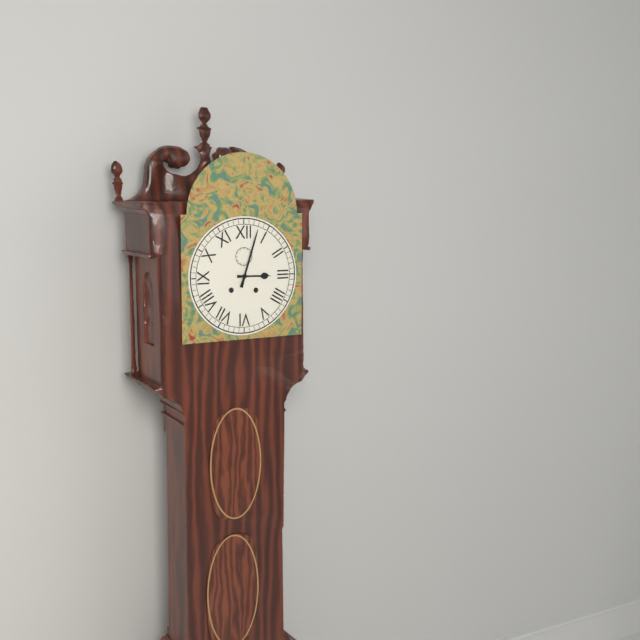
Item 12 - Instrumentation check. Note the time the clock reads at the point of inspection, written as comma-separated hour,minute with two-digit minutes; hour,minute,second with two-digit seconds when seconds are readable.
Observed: 3,03
